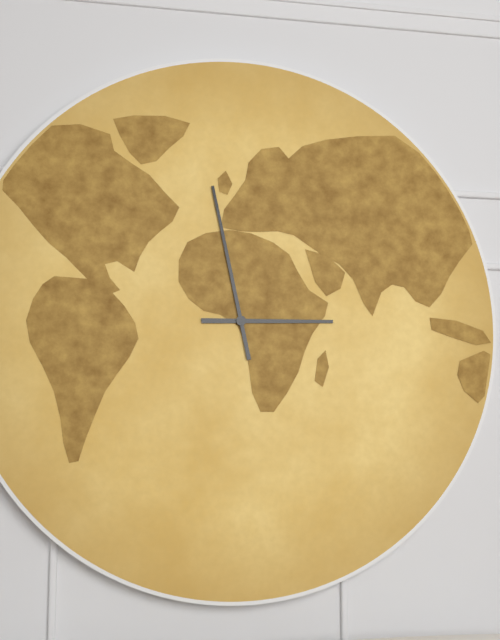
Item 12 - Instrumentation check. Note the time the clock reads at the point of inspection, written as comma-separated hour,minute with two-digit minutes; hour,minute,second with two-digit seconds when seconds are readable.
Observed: 2,58
